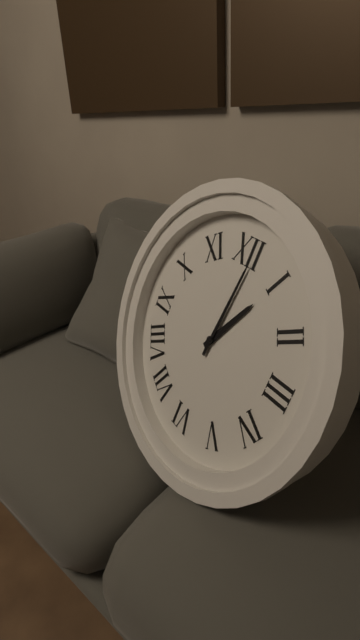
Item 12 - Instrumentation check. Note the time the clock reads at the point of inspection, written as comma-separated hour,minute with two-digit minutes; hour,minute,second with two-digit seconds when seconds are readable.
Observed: 1,01
